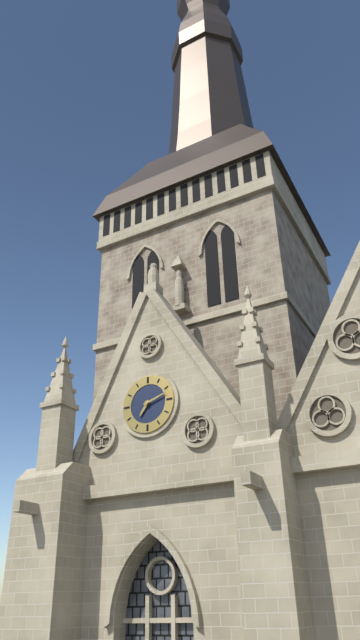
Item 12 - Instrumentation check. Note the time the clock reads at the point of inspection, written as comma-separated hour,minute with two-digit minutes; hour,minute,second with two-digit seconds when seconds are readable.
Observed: 7,12
